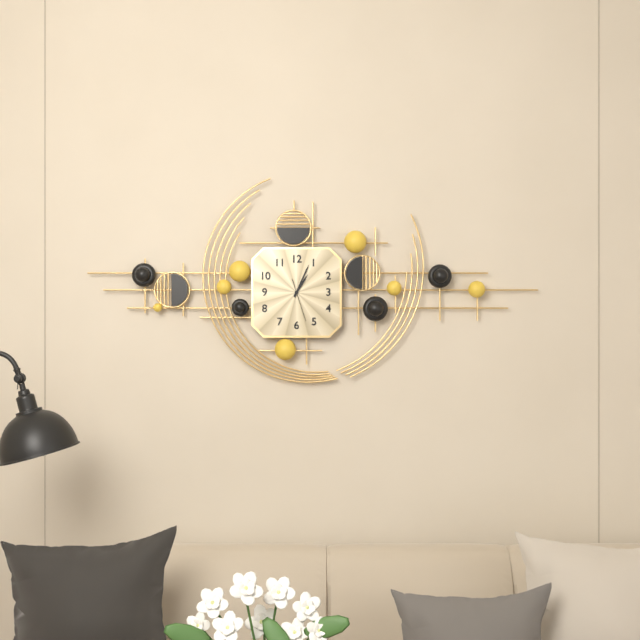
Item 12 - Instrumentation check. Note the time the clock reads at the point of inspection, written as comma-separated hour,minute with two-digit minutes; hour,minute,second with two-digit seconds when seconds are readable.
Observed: 1,04
